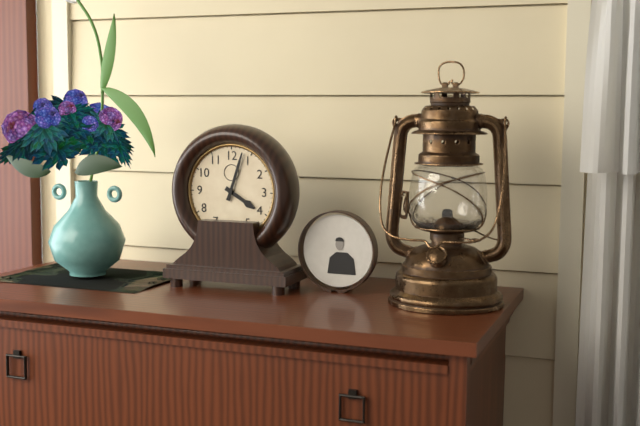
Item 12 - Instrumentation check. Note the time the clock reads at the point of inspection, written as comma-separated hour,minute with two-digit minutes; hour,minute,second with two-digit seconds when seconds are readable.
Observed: 4,03
